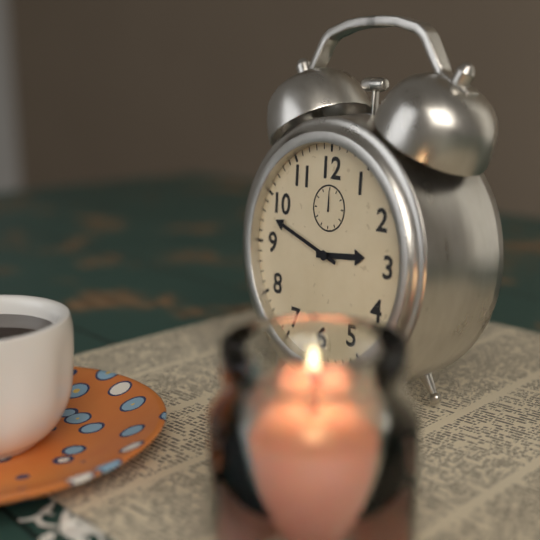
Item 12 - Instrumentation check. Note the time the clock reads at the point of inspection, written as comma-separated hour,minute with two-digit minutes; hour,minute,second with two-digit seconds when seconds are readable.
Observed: 2,48
